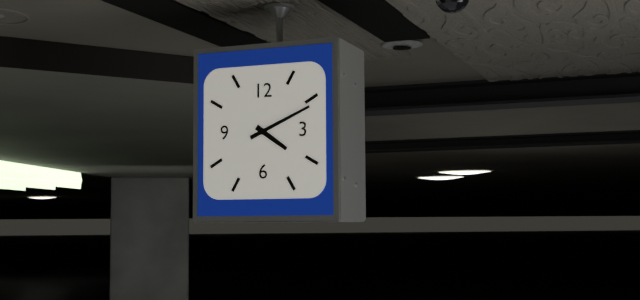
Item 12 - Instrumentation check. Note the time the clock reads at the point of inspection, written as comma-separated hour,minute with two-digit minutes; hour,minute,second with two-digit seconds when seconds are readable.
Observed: 4,11
